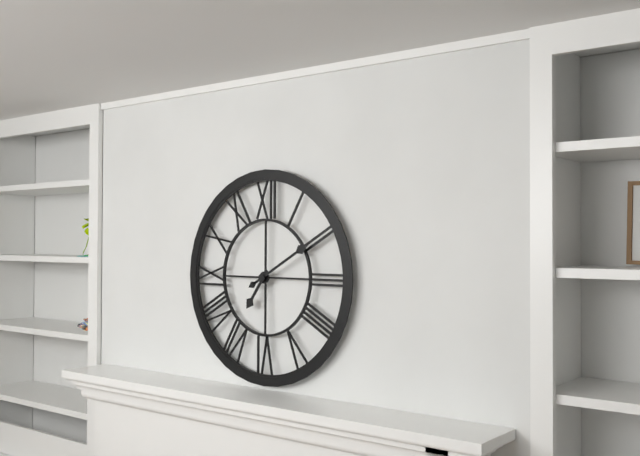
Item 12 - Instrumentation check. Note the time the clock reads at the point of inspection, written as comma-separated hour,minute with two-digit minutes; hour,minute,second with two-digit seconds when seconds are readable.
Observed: 7,10
